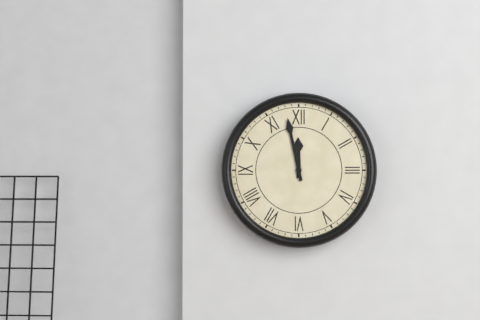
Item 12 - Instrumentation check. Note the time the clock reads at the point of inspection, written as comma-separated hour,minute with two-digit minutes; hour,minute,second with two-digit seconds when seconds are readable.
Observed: 11,58
